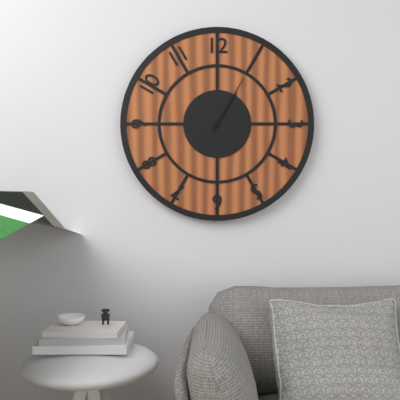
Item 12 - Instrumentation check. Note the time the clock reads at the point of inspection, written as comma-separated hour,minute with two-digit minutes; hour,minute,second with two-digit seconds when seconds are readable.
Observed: 1,05
